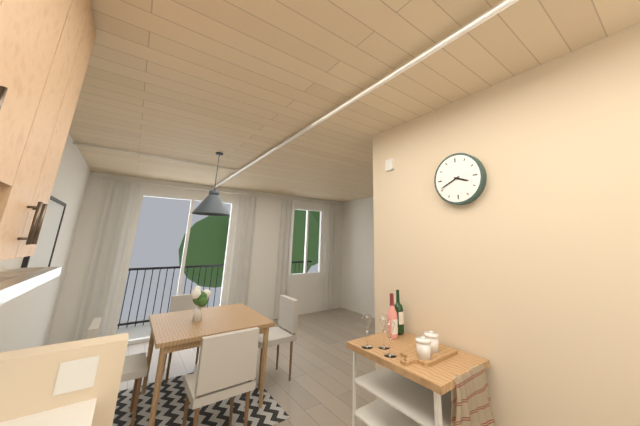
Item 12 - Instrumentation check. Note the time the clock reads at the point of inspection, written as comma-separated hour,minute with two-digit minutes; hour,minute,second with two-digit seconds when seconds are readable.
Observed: 3,41
